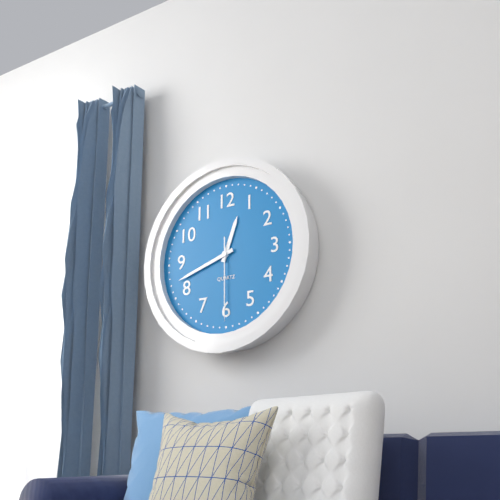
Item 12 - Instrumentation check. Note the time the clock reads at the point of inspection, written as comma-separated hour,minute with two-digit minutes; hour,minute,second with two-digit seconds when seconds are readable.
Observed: 12,42,30
